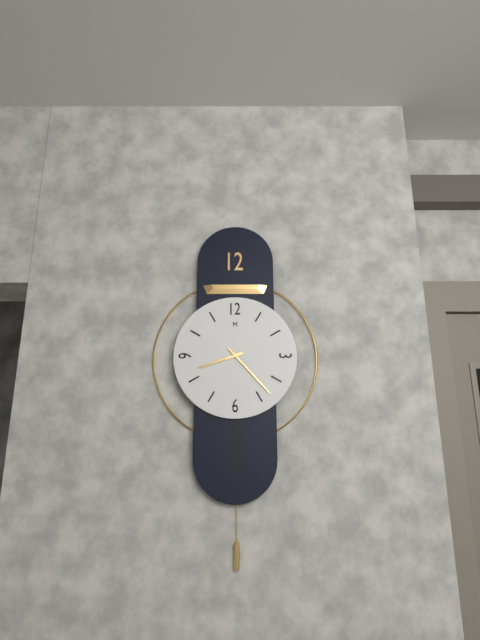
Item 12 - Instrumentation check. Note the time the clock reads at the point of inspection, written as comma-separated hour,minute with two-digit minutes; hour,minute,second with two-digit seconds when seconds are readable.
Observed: 8,23
